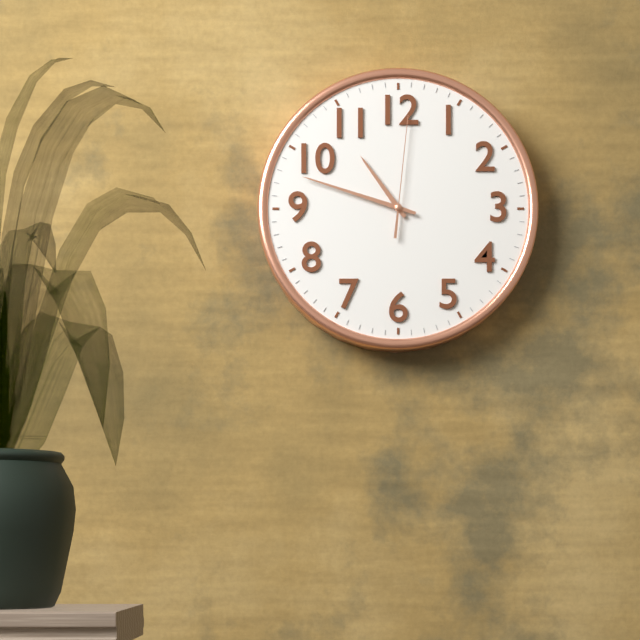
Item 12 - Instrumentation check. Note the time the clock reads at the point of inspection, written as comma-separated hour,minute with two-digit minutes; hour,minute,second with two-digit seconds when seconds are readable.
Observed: 10,48,01
